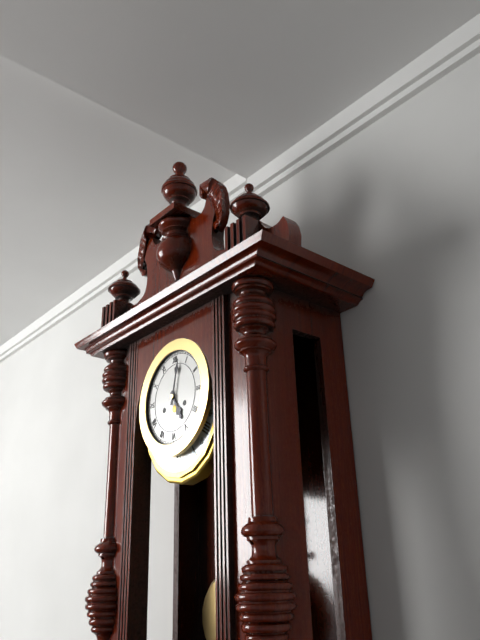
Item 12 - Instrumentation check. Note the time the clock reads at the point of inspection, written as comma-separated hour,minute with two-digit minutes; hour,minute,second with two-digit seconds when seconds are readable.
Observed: 5,02
